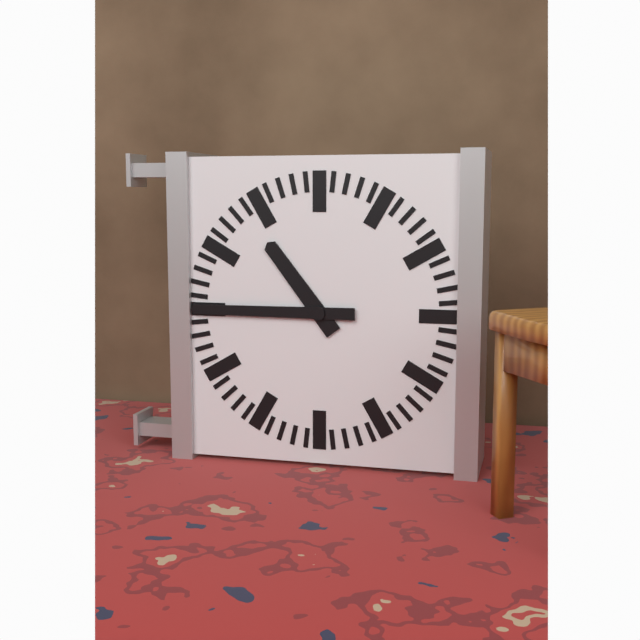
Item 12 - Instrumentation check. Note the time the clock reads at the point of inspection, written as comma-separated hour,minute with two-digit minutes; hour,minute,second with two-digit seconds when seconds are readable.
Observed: 10,45
